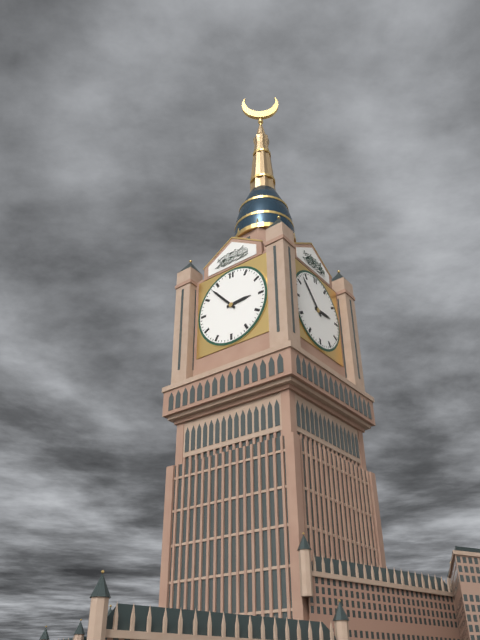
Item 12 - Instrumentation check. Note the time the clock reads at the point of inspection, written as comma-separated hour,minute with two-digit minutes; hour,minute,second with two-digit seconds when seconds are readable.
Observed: 2,53
